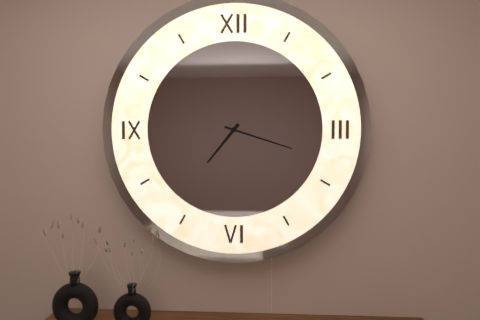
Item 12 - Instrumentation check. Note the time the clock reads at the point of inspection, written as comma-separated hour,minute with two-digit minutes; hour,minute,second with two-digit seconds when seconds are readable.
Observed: 7,18
